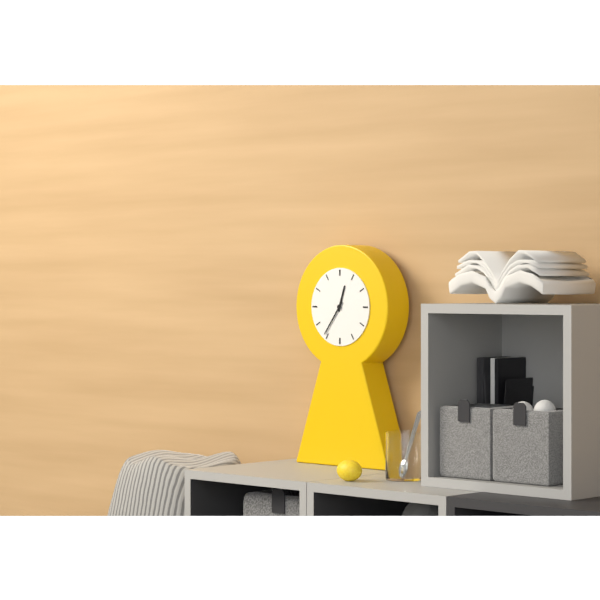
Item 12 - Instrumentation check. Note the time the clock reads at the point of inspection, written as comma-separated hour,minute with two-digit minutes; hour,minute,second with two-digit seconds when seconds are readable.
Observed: 12,36
